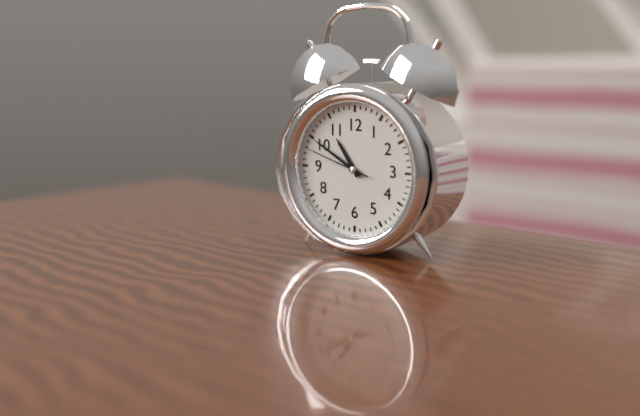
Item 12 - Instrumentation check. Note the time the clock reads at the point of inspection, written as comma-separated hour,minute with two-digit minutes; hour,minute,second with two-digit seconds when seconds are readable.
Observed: 10,50,48
